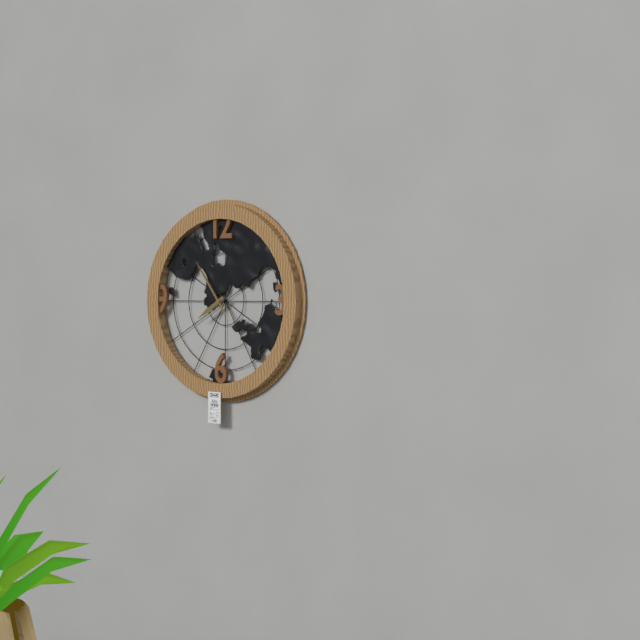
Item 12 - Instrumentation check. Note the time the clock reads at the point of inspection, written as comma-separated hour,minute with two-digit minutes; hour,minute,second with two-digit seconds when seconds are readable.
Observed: 7,54
